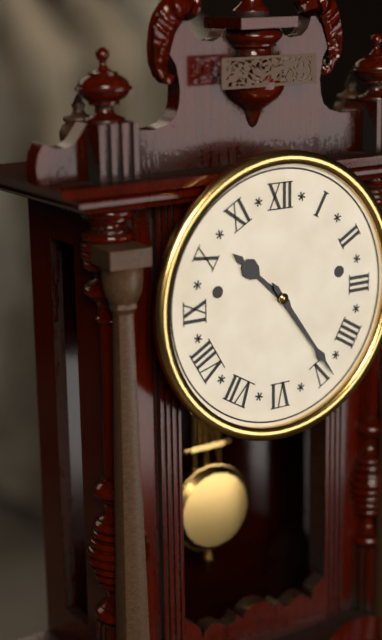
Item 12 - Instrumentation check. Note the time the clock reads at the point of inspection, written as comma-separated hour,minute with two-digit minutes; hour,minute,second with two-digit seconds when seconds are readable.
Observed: 10,24
